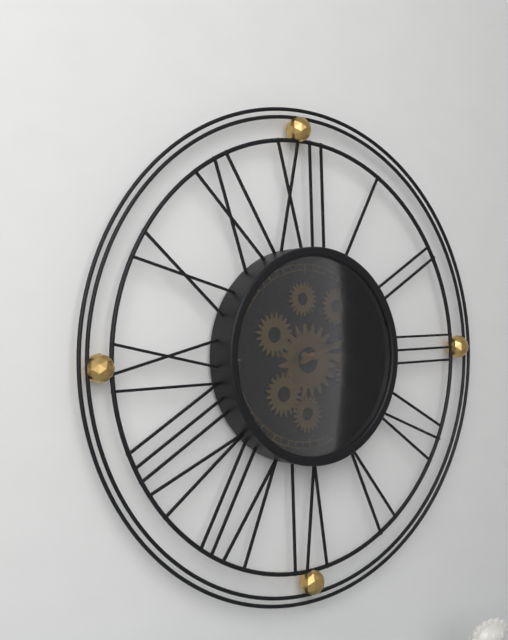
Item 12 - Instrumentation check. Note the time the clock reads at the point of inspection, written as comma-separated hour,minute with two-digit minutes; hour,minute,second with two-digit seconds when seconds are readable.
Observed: 3,12
